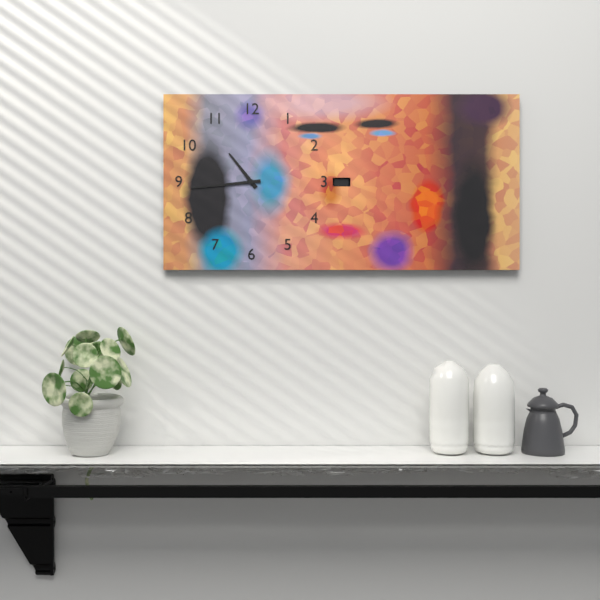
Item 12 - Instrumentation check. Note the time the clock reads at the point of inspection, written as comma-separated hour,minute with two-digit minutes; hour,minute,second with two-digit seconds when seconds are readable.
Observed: 10,44
